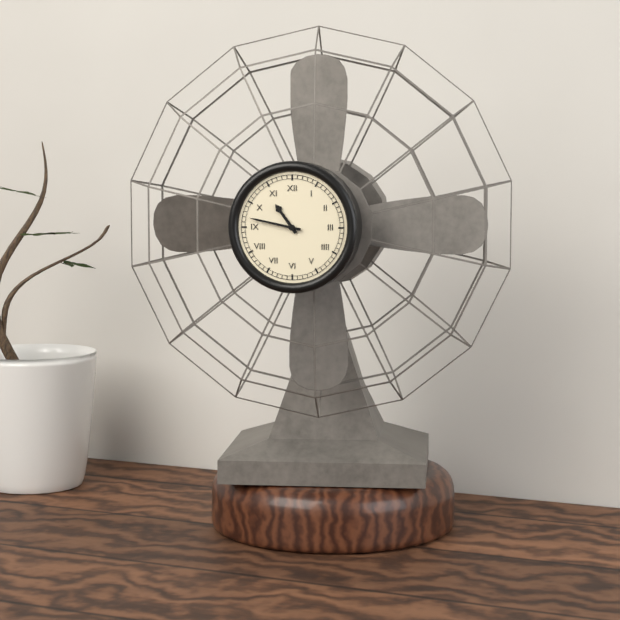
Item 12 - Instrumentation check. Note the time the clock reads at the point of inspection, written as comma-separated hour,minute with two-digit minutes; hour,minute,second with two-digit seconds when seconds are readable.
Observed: 10,47
